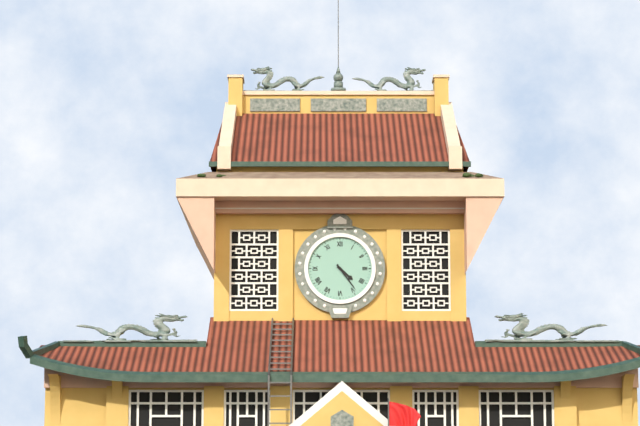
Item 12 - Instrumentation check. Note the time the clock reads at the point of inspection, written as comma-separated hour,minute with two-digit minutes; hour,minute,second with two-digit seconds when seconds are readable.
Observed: 4,24
